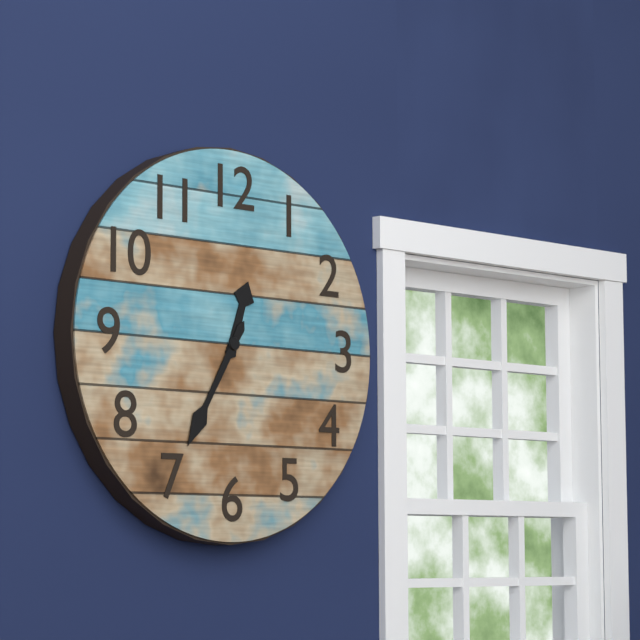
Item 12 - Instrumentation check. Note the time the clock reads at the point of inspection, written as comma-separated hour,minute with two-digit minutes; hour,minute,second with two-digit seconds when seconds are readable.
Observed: 12,35
